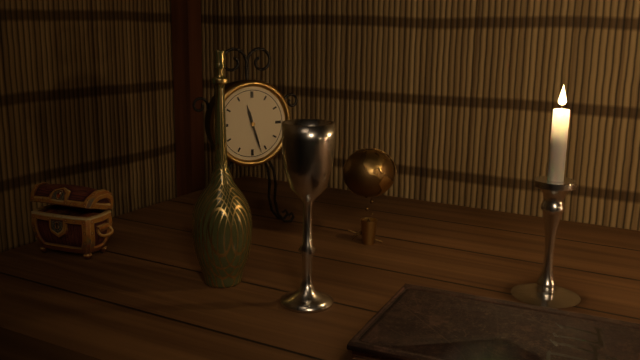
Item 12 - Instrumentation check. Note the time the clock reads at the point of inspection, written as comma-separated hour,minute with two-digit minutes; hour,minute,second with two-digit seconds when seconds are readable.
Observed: 11,27
